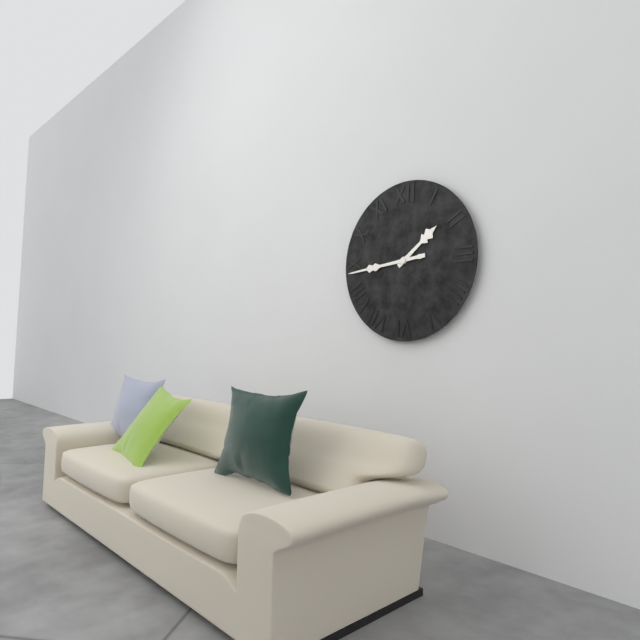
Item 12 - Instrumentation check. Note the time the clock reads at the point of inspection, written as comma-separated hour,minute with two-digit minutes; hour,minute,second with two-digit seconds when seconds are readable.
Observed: 1,44
